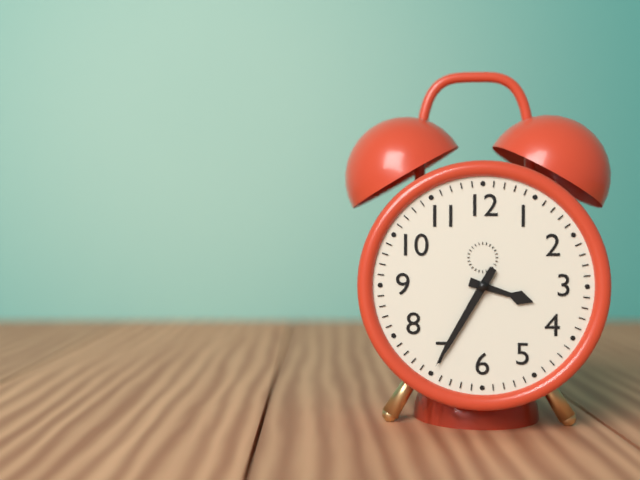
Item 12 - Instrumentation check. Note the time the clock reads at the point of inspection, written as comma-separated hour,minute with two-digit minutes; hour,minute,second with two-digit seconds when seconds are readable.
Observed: 3,35
